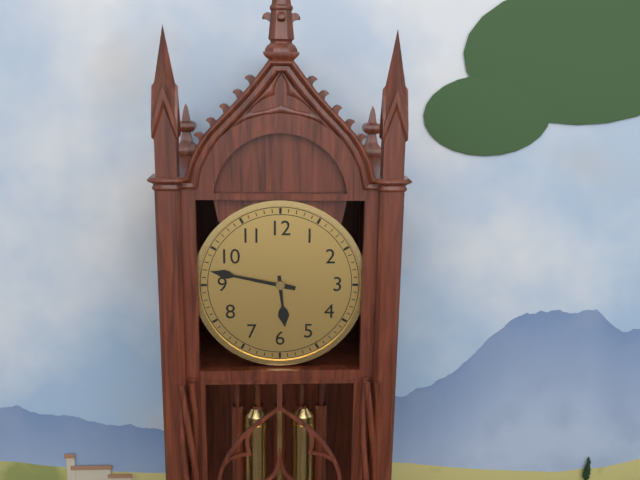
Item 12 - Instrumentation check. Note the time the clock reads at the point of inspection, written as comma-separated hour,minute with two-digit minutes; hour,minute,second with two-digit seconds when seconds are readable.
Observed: 5,47
